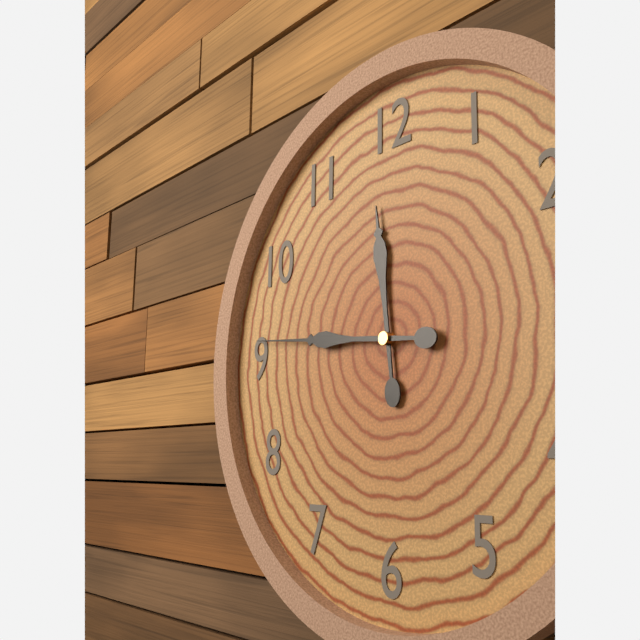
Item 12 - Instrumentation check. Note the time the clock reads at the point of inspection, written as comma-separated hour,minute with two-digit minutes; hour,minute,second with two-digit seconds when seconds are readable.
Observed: 11,46
